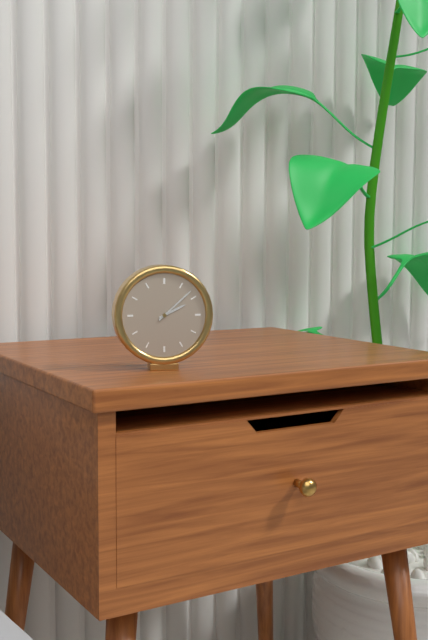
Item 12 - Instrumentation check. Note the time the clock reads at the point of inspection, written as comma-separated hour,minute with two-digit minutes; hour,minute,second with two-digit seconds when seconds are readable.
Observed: 2,08
